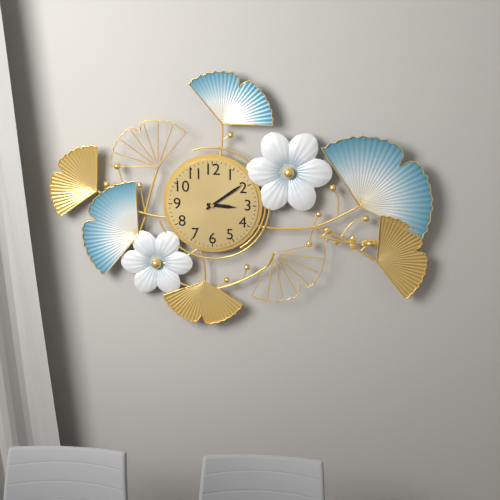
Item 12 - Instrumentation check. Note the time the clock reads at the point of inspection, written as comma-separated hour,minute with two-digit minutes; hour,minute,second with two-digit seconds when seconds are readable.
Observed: 3,09
